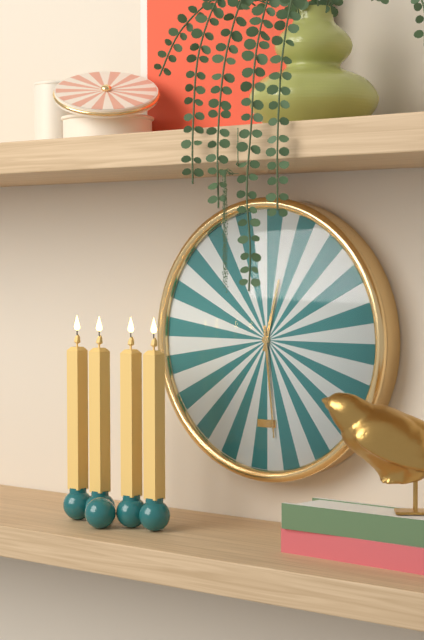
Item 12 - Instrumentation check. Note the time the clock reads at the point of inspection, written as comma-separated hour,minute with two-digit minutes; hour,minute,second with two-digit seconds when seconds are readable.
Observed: 12,29
